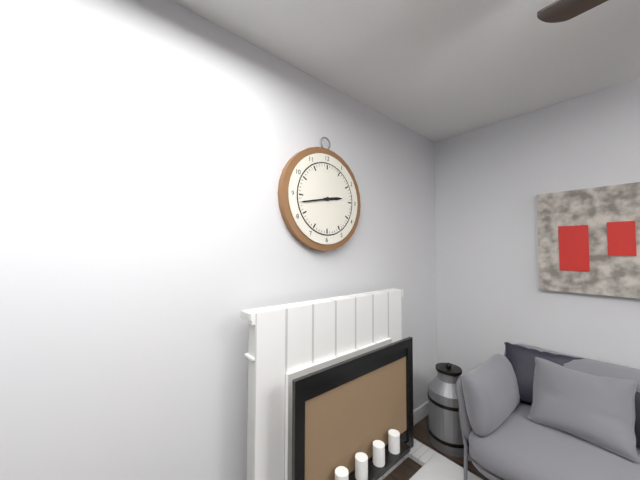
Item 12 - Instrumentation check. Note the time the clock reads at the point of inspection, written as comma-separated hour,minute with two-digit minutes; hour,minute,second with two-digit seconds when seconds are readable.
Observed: 2,43
